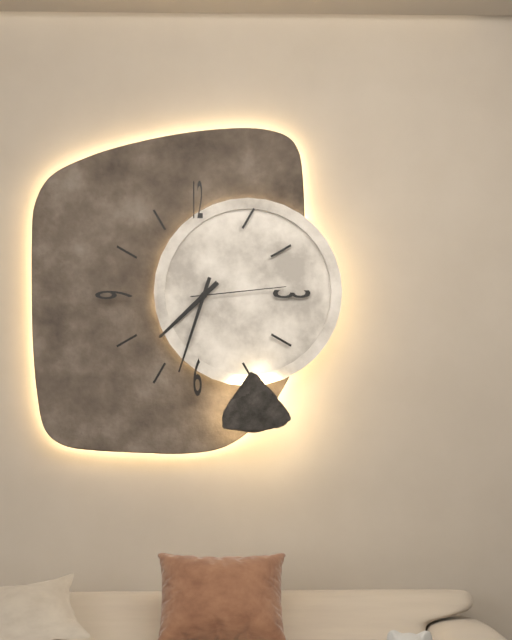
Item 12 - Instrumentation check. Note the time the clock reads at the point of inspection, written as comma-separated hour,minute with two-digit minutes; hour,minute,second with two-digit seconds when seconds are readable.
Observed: 7,33,14
